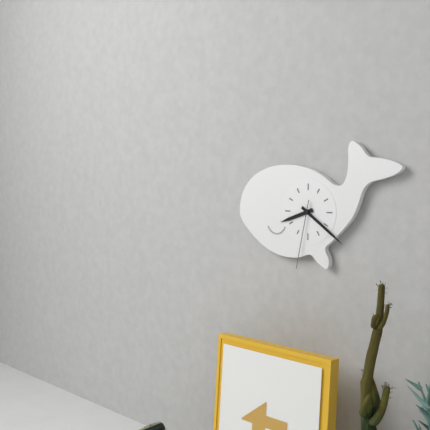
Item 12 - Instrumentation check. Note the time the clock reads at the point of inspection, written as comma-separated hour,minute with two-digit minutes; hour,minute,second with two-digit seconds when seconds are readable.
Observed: 8,21,32
